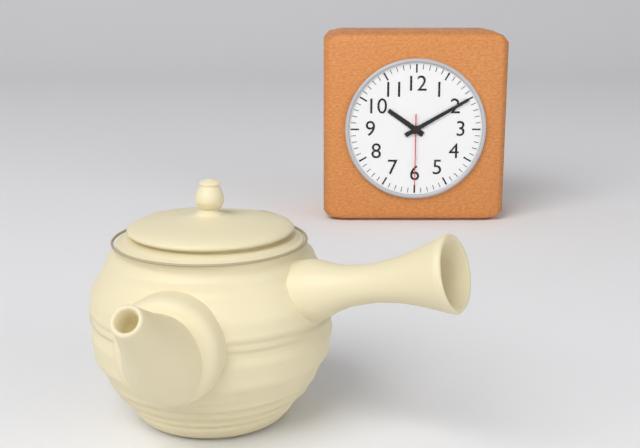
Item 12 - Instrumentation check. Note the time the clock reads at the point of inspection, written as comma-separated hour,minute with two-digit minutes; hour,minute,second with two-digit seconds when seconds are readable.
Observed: 10,10,30
